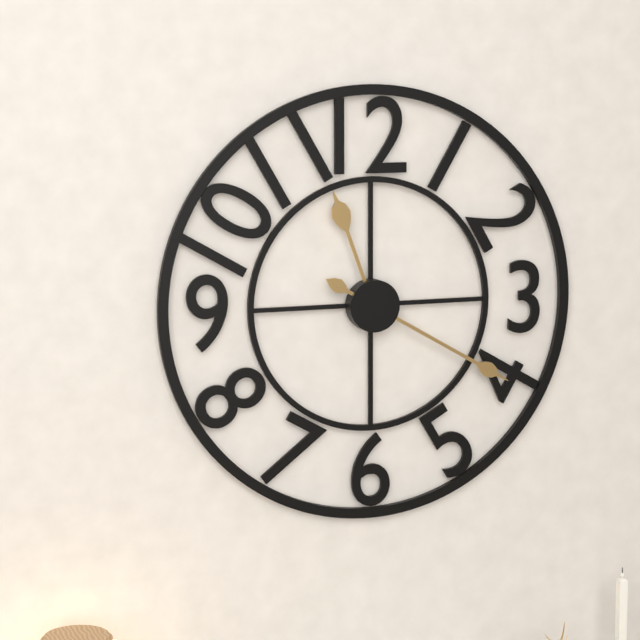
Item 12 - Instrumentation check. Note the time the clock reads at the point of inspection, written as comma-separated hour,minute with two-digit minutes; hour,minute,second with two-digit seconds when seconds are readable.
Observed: 11,20
